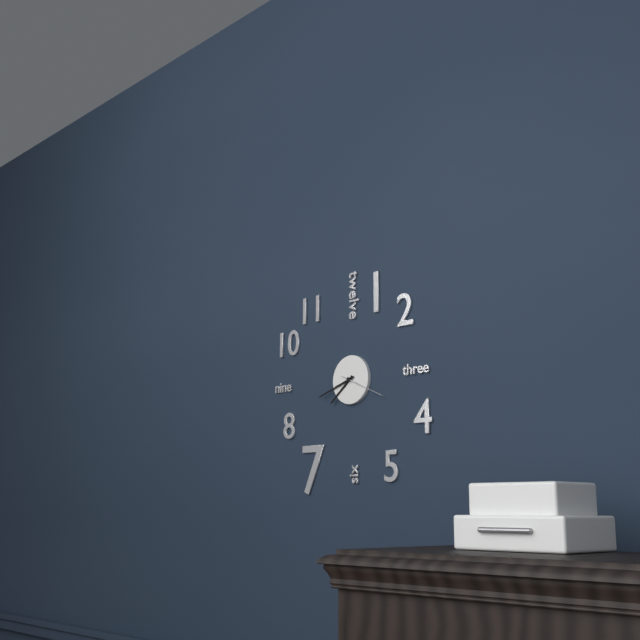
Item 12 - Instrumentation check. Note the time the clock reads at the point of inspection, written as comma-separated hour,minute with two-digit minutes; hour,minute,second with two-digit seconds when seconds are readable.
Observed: 7,42
